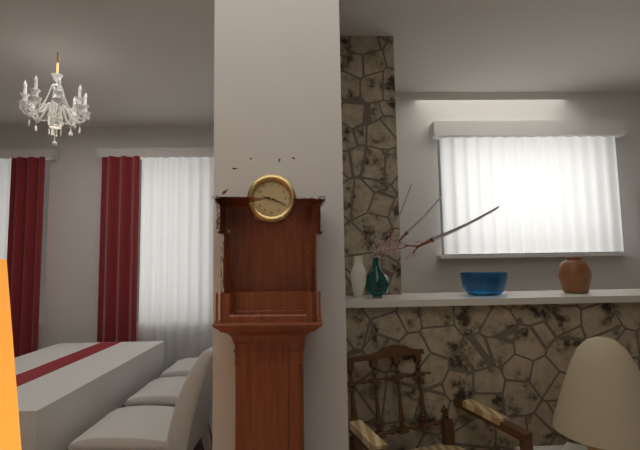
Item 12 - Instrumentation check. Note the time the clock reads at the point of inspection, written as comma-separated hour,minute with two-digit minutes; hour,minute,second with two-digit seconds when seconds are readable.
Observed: 9,19
